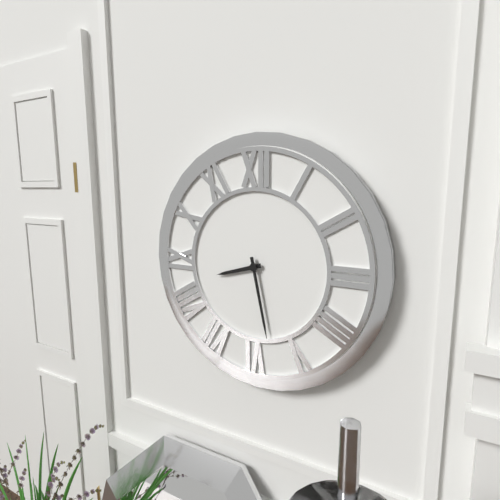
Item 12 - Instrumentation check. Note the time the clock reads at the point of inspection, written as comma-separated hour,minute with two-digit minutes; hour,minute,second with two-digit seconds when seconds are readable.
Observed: 8,28
